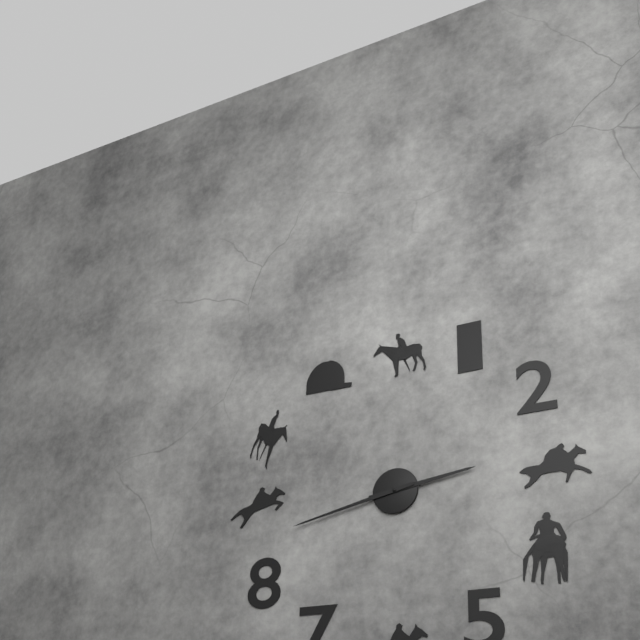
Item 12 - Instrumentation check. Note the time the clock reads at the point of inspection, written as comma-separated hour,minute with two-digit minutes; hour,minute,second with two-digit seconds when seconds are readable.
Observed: 2,43
